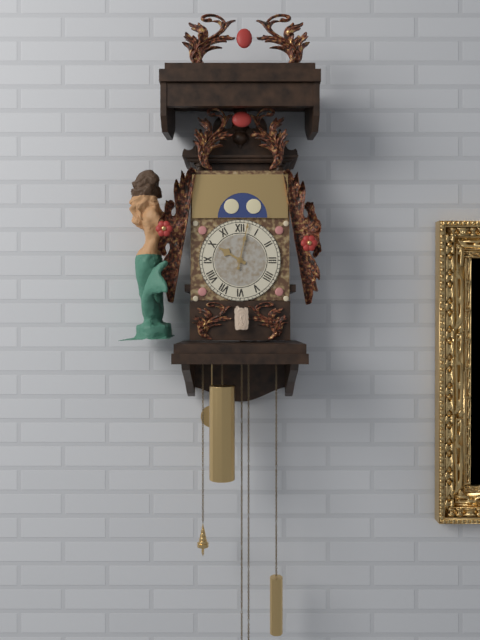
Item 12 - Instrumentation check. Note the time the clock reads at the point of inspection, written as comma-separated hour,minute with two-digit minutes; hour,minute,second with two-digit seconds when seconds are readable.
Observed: 10,02
